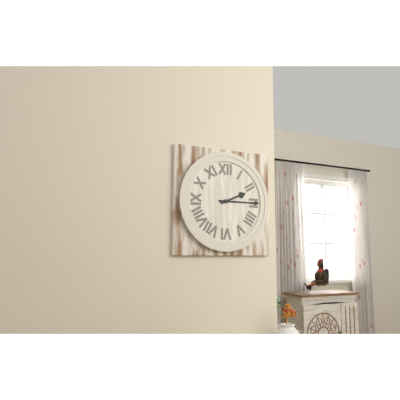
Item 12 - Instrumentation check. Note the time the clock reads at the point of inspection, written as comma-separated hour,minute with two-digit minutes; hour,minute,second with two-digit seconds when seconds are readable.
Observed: 2,15
